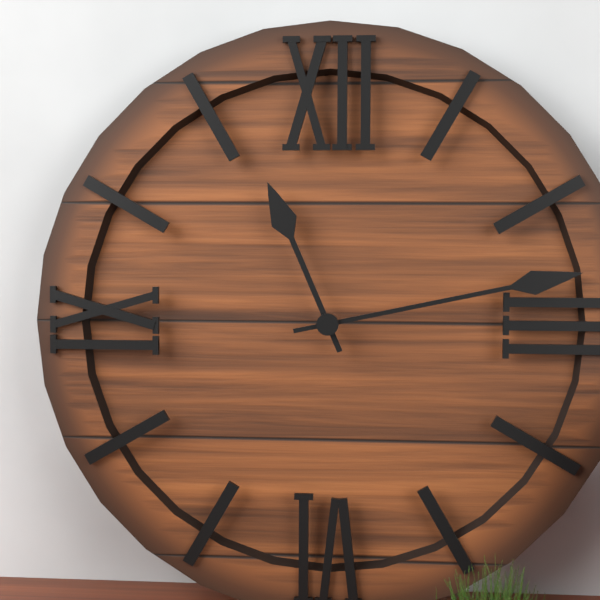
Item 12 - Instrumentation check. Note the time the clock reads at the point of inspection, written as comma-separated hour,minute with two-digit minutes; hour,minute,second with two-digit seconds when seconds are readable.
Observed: 11,13
